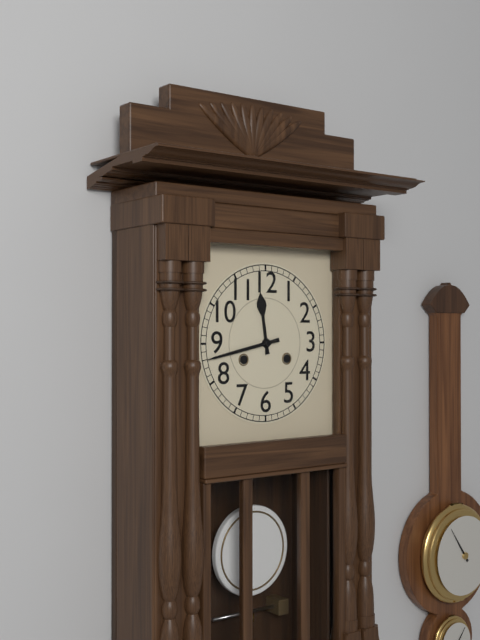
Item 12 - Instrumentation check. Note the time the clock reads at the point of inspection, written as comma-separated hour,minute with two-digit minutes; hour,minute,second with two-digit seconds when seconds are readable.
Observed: 11,43
